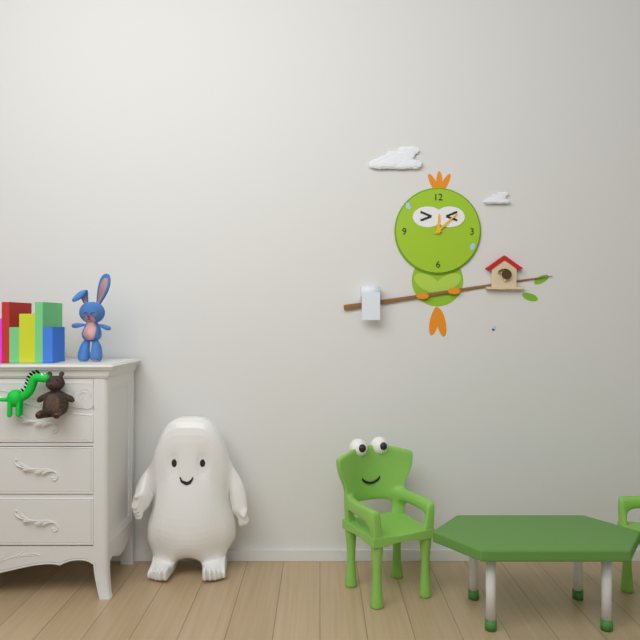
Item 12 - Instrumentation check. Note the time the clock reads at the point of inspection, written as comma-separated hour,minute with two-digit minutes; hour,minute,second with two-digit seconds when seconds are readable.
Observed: 12,08
